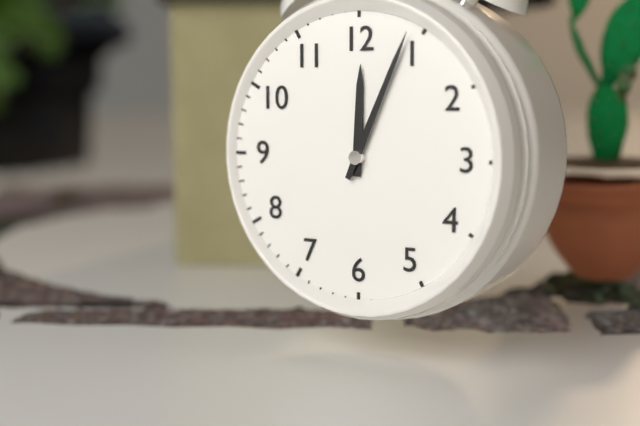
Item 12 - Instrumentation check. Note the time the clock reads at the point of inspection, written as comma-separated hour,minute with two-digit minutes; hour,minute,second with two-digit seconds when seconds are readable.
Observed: 12,04
